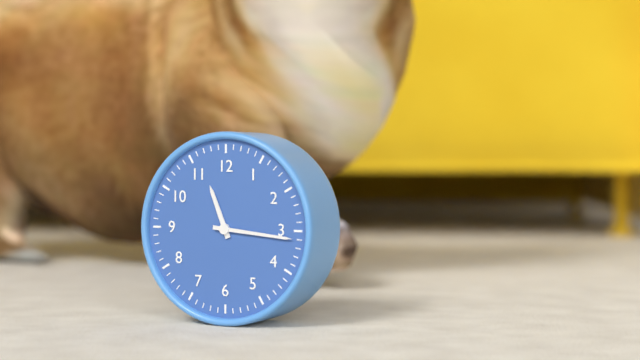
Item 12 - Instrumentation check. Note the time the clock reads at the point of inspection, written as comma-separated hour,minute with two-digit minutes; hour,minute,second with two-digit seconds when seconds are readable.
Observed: 11,16
